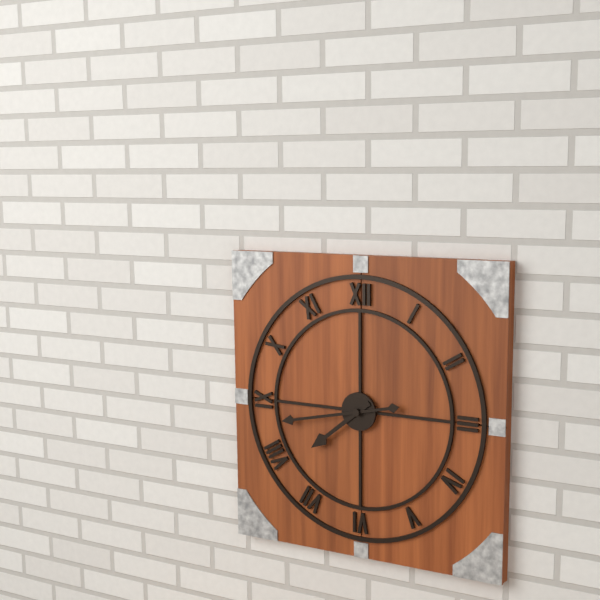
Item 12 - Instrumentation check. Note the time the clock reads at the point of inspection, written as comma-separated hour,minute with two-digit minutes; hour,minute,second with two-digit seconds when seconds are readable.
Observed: 7,43
